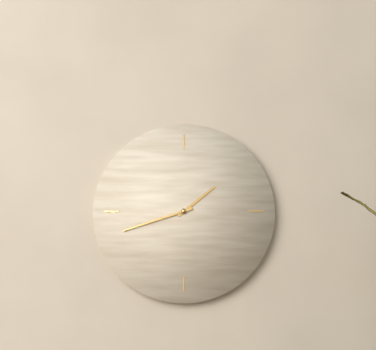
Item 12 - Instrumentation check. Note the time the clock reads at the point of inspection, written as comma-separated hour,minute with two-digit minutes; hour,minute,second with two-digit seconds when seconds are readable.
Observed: 1,42
